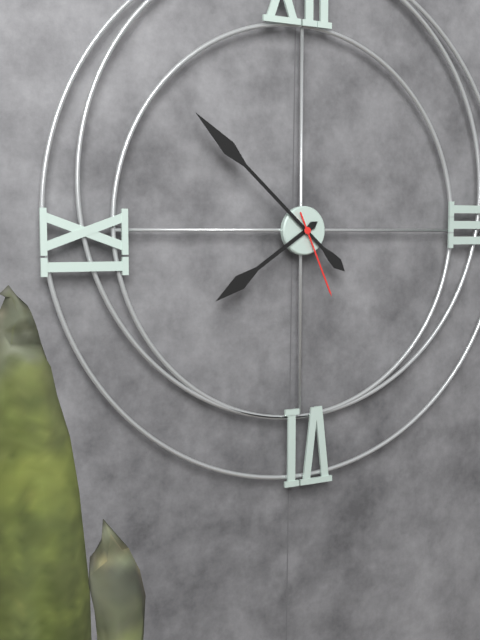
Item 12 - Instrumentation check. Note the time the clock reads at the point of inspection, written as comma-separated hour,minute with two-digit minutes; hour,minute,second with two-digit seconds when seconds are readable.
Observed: 7,52,26
